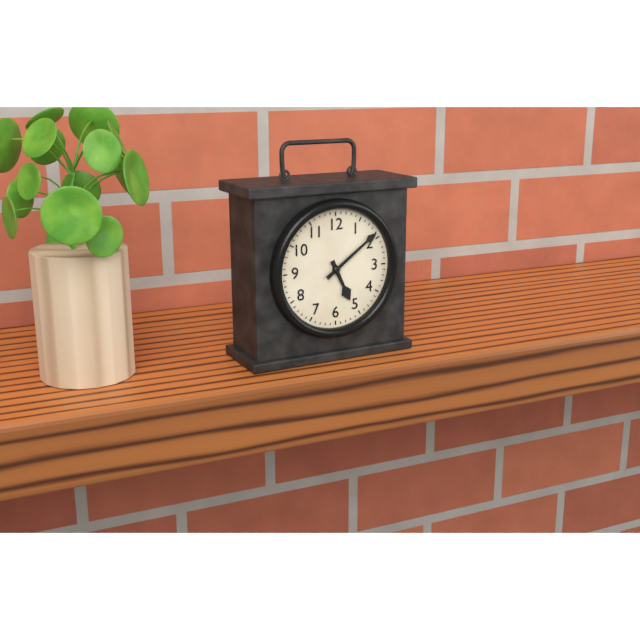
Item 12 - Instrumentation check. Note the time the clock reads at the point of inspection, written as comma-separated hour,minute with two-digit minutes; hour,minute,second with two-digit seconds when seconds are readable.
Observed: 5,09
